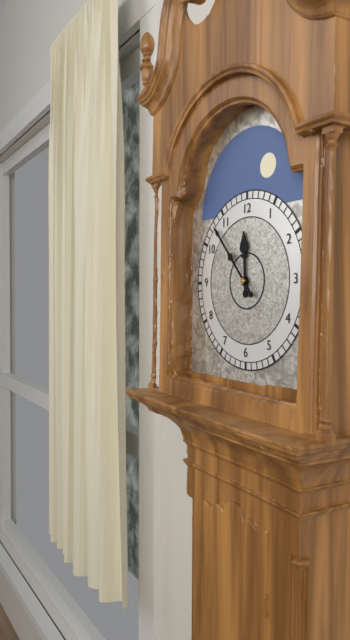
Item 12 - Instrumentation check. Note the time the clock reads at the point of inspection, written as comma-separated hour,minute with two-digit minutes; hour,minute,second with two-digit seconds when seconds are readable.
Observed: 11,53
